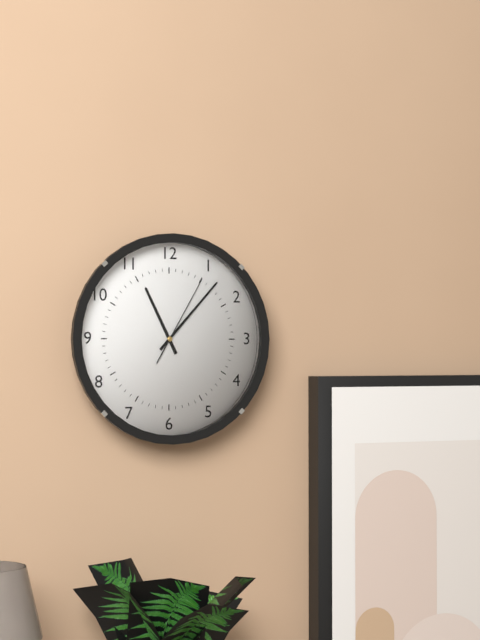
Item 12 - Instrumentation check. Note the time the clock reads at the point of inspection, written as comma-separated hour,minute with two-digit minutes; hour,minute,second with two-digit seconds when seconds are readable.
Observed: 11,07,05
